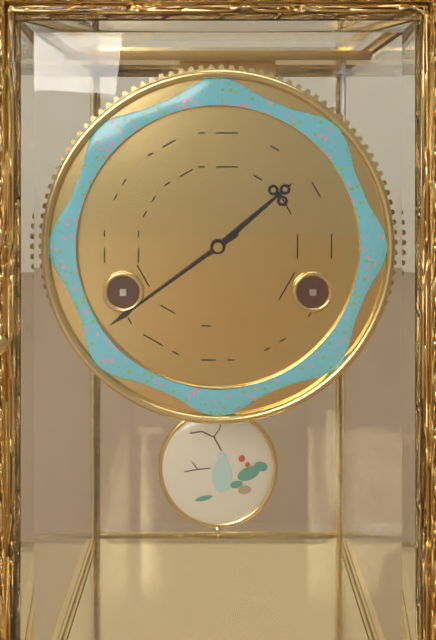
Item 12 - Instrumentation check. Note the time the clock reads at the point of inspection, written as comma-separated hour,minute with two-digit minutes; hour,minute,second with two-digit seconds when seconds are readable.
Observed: 1,39
